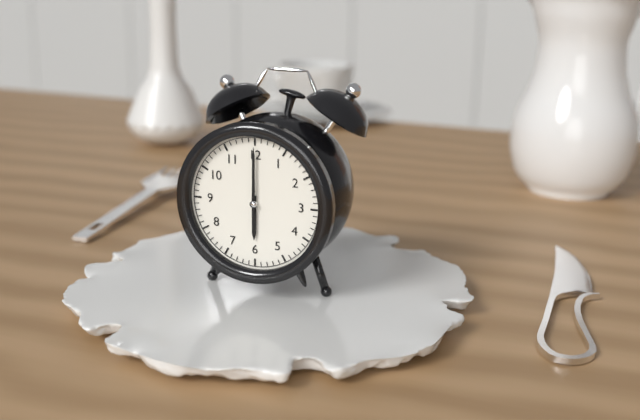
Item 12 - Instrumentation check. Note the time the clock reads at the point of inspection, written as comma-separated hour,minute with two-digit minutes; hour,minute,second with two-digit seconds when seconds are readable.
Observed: 6,00
